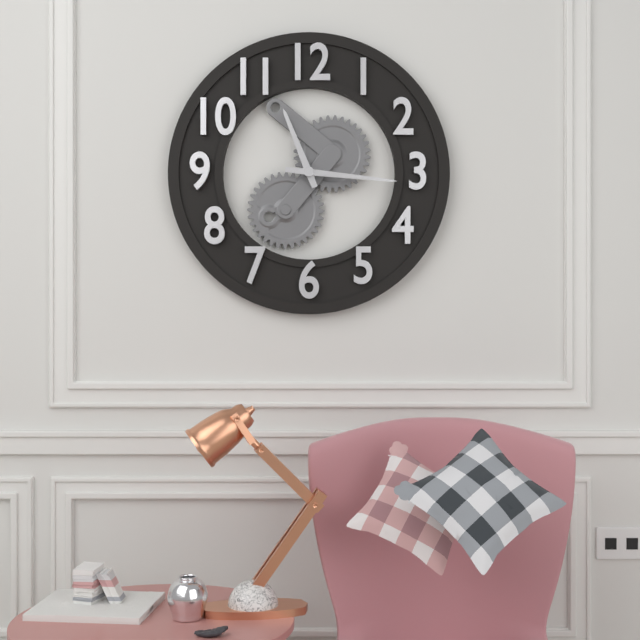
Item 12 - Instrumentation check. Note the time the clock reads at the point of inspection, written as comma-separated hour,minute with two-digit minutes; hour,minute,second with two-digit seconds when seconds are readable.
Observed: 11,16
